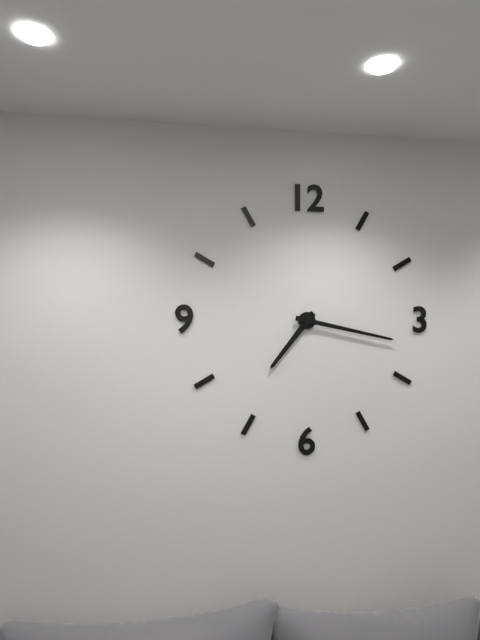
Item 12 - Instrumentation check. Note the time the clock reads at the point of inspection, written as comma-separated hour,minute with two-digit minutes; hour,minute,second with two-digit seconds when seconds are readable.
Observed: 7,17
